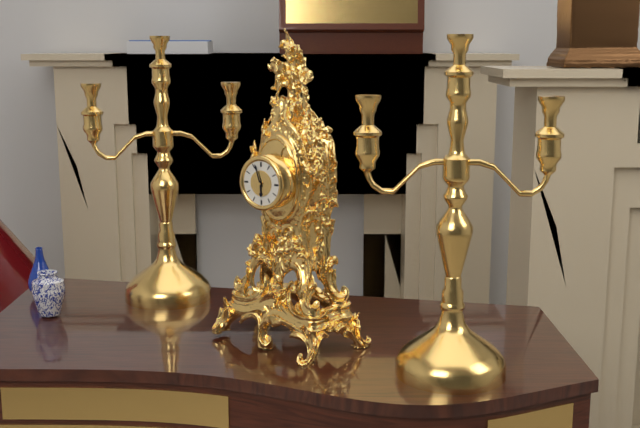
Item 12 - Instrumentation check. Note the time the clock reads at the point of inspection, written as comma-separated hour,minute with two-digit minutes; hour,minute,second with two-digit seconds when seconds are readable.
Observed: 5,57
